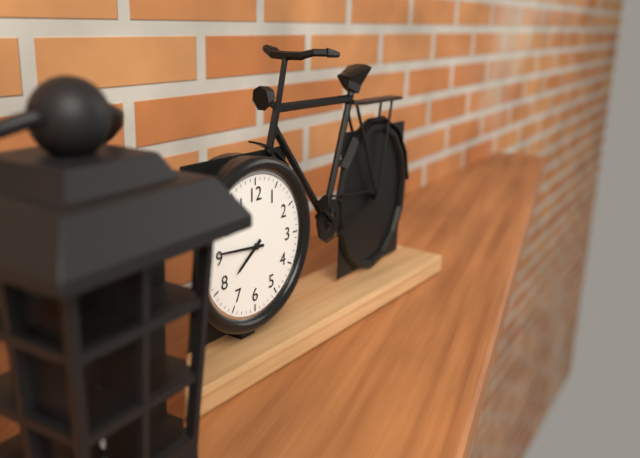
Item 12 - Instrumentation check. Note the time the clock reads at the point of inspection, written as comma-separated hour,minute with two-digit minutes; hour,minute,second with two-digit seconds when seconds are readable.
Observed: 7,46
